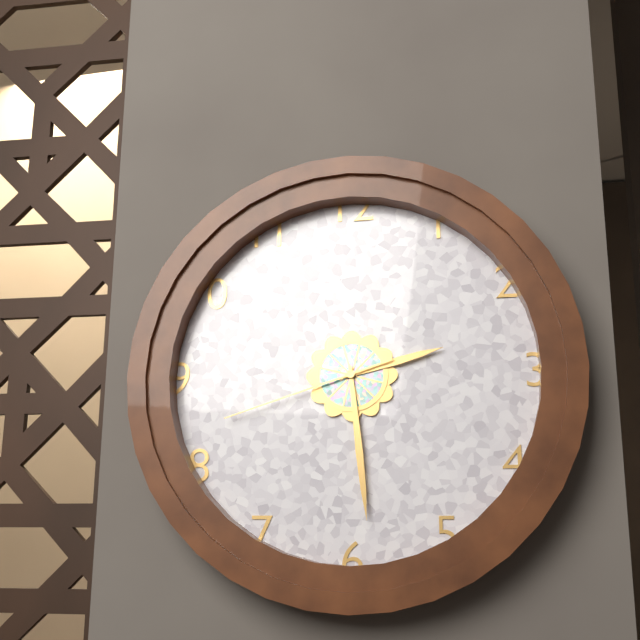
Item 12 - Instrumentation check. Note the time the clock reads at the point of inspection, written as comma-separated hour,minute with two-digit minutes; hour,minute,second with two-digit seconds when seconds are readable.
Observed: 2,29,42
